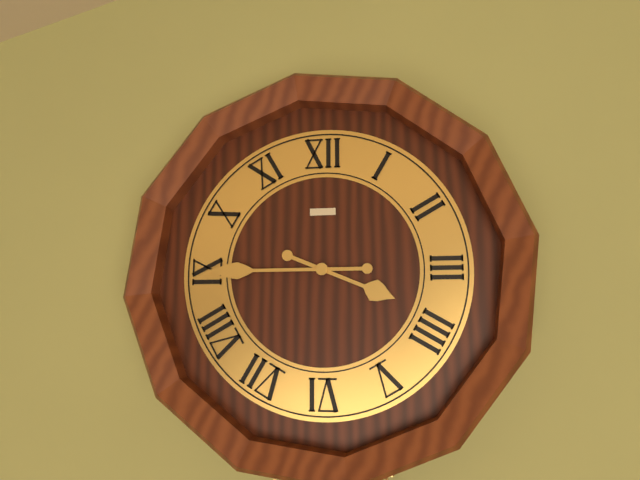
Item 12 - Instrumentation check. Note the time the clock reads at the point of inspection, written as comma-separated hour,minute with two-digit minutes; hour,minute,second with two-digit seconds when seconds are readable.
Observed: 3,45
